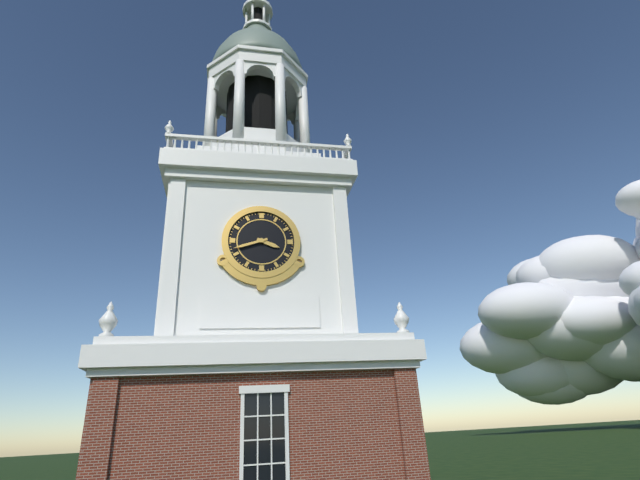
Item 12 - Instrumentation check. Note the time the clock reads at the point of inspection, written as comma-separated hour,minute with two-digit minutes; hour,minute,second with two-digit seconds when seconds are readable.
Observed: 3,42
